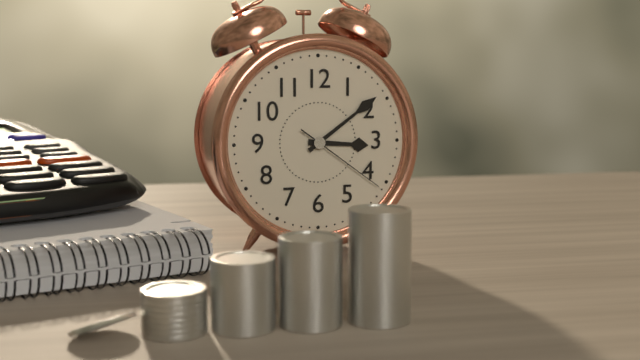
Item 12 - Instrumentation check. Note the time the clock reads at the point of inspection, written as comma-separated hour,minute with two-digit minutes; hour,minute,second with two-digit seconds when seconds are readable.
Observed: 3,09,21
